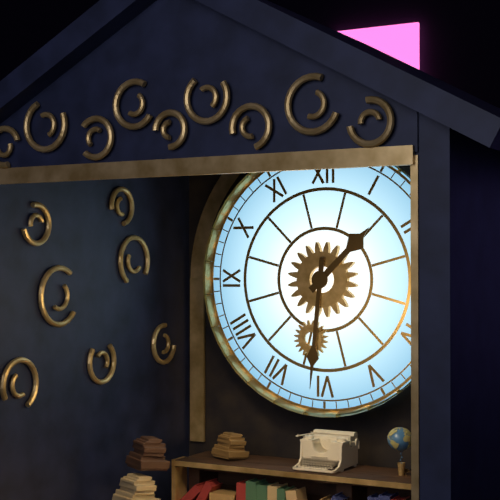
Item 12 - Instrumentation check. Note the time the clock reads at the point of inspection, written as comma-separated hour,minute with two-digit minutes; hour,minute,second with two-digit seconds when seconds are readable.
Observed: 1,31
